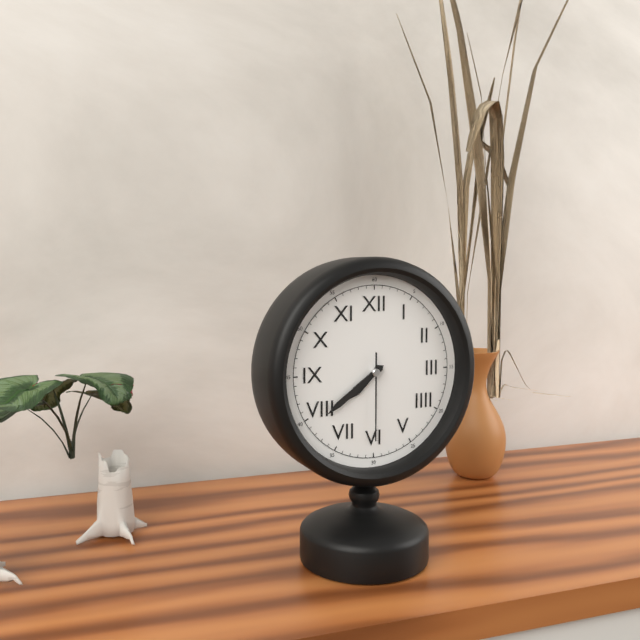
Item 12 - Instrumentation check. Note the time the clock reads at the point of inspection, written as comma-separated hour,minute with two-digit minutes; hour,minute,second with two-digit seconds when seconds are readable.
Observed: 7,39,30
